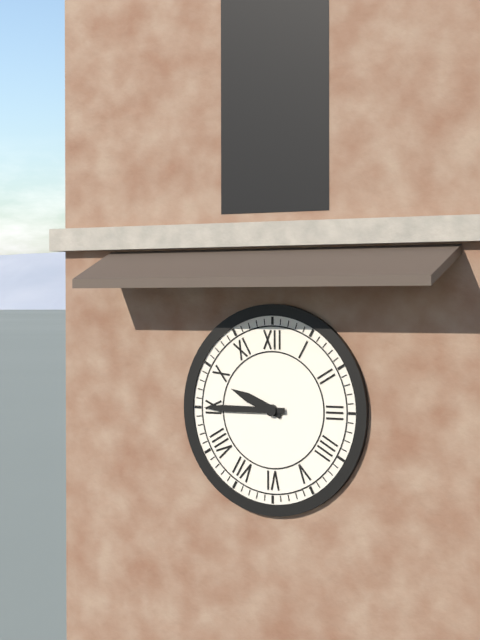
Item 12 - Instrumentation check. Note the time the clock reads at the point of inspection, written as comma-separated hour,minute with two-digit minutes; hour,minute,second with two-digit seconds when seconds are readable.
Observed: 9,45
